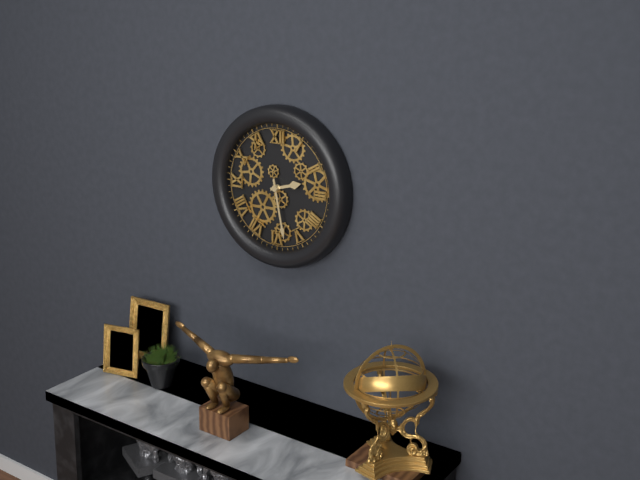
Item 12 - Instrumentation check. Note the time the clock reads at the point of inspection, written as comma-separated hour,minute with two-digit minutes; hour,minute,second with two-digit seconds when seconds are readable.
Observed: 2,28
